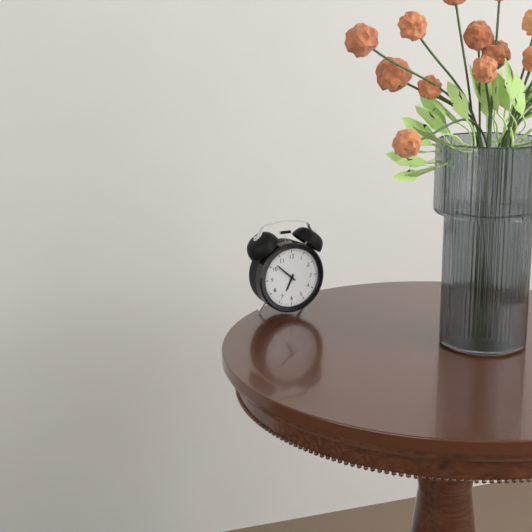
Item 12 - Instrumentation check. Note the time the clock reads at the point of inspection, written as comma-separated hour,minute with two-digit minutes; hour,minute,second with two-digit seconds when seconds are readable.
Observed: 6,52
